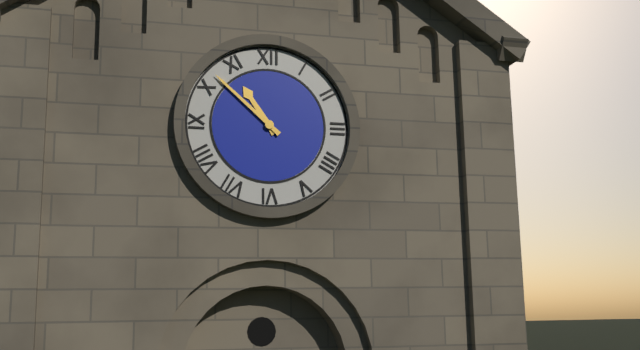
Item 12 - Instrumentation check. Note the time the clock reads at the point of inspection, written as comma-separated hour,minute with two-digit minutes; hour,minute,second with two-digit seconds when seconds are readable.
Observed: 10,52
